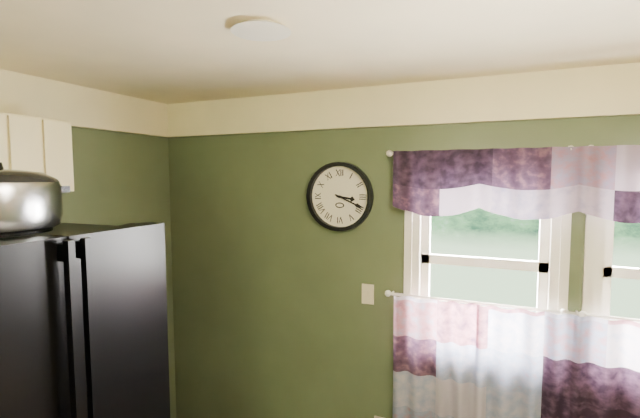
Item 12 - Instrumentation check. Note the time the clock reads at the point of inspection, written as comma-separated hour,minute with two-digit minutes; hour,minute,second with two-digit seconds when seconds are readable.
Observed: 3,19
